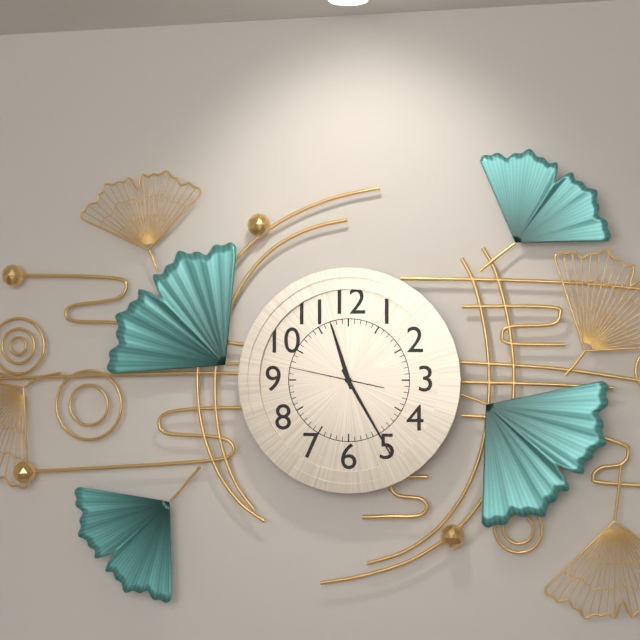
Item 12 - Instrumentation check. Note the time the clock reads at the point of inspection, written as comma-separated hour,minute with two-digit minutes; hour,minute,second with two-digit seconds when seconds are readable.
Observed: 11,25,47
